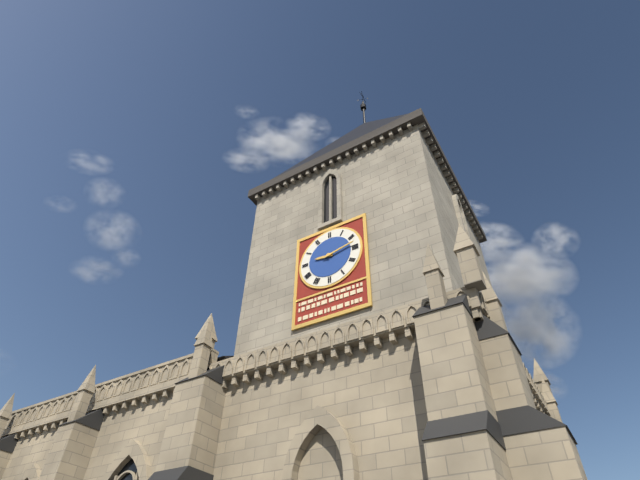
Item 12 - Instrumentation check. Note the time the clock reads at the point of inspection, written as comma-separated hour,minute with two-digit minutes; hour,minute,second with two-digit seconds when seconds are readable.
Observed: 9,13
